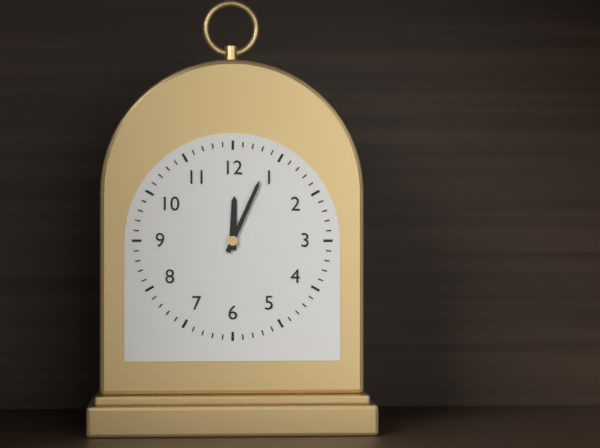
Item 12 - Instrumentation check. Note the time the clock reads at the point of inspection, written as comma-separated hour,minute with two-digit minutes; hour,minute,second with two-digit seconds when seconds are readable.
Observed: 12,04
